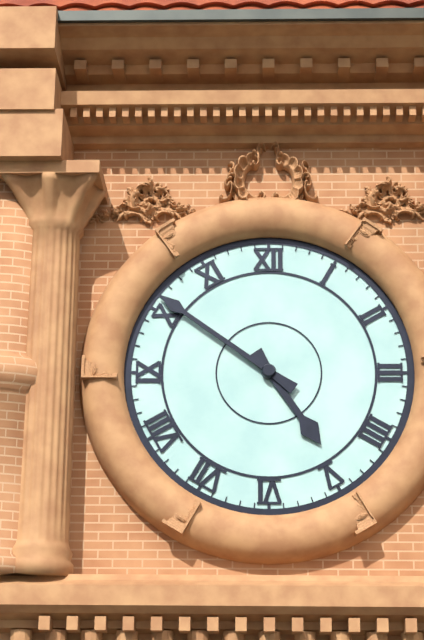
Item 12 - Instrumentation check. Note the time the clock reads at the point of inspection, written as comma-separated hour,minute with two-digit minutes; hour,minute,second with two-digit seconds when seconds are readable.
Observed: 4,51
